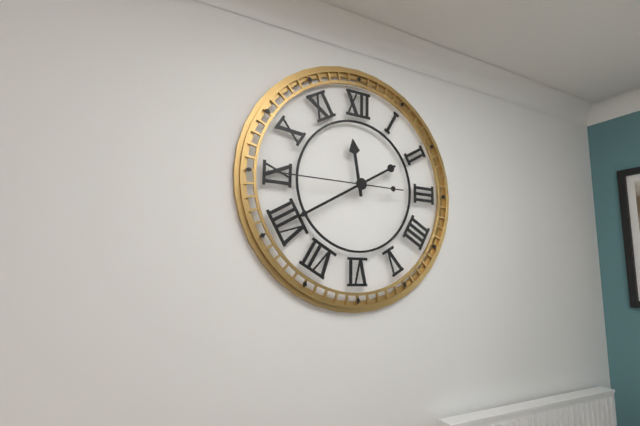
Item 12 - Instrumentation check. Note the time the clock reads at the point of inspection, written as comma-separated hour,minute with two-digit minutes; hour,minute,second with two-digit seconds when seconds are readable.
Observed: 11,40,45
